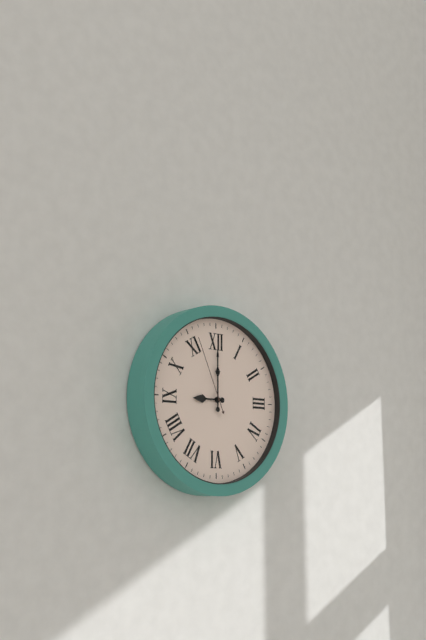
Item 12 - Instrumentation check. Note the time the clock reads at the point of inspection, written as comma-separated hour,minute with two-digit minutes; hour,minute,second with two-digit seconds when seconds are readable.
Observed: 9,00,56
